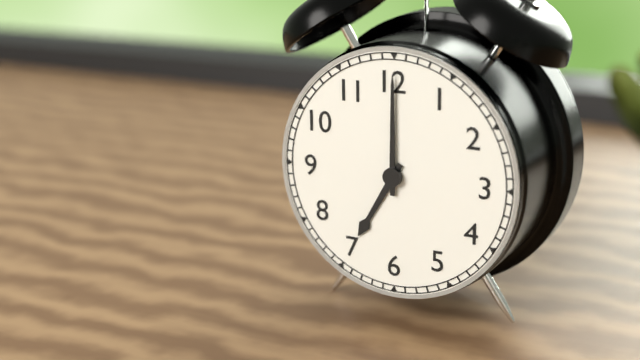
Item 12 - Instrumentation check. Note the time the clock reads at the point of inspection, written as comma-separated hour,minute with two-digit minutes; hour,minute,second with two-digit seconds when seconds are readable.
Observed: 7,00
